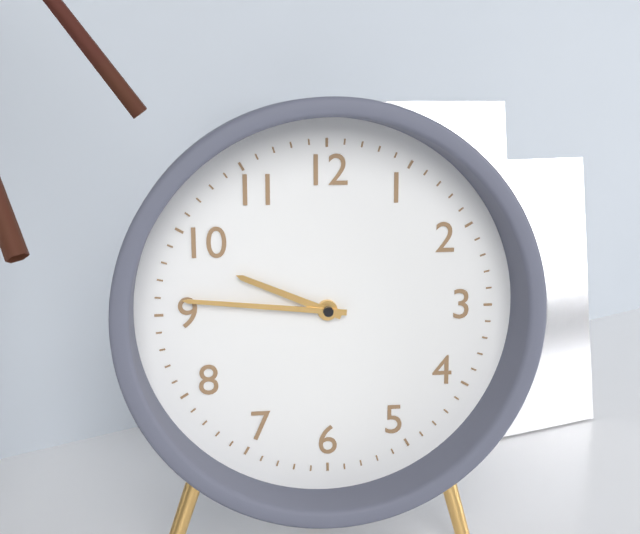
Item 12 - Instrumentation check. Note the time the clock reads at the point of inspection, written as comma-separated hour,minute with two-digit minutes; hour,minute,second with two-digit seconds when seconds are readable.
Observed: 9,46
